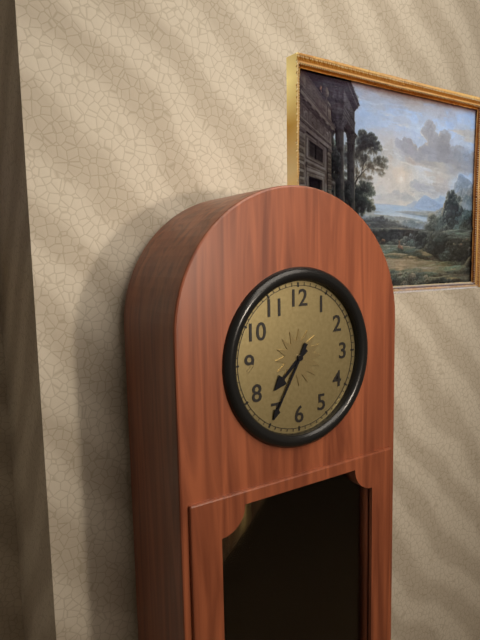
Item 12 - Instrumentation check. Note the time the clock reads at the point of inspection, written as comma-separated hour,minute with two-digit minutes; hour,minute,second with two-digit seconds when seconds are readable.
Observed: 7,35
